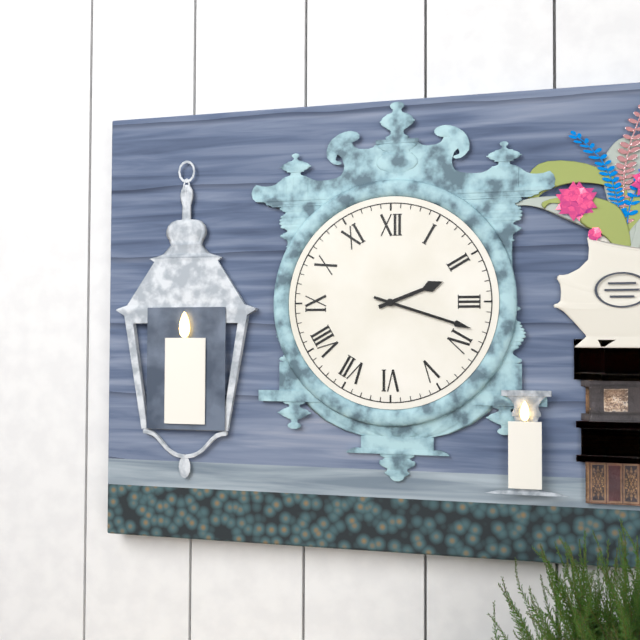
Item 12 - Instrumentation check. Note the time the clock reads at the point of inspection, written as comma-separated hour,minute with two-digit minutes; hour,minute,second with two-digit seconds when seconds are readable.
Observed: 2,18
